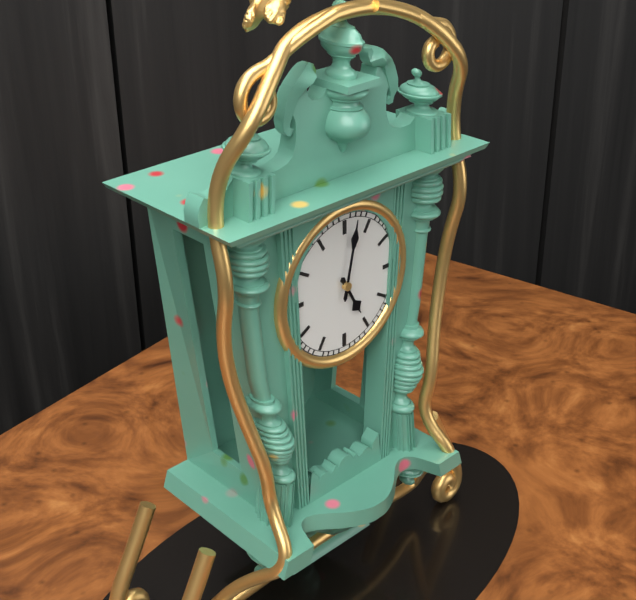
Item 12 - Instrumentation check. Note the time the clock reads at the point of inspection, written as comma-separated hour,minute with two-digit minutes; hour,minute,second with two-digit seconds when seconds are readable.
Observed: 5,02
